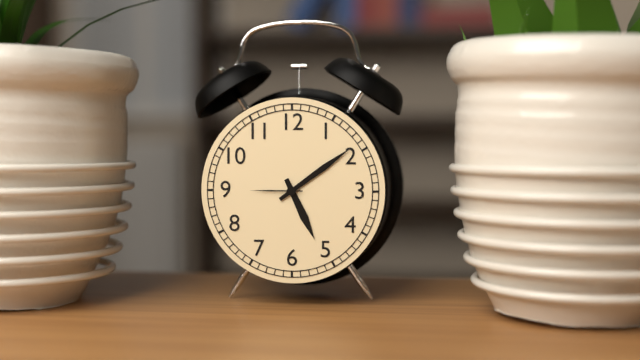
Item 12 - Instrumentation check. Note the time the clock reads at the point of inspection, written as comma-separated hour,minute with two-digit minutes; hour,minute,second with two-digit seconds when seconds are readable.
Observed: 5,09,45
